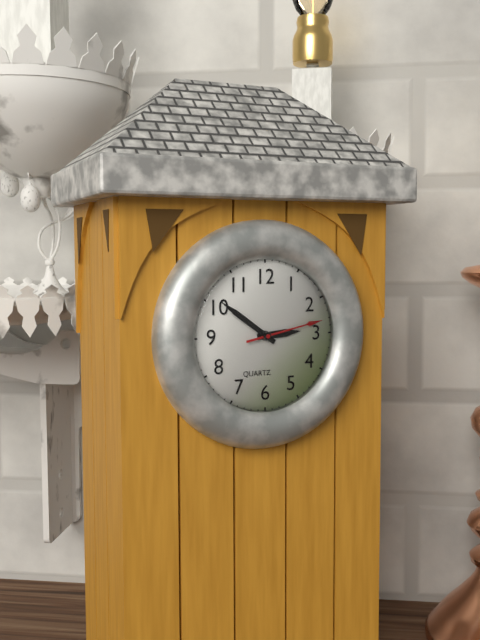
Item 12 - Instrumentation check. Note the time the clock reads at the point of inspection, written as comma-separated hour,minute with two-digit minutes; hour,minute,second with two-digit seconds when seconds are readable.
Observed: 2,51,13
